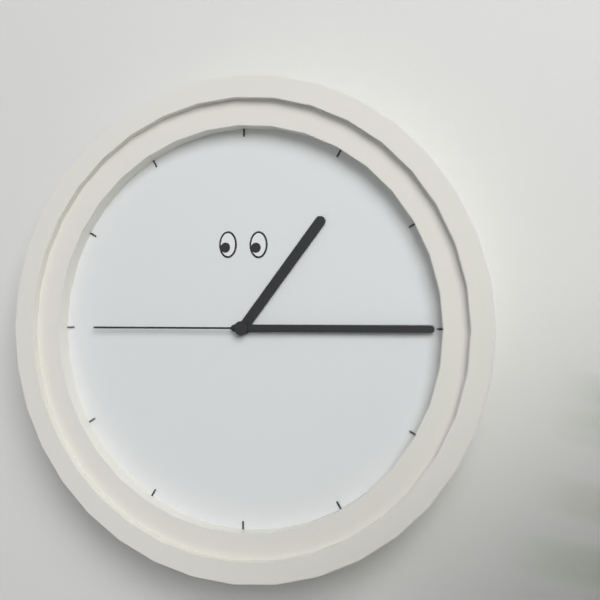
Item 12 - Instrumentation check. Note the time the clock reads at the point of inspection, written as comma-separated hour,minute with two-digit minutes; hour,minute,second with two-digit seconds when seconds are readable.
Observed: 1,15,45
